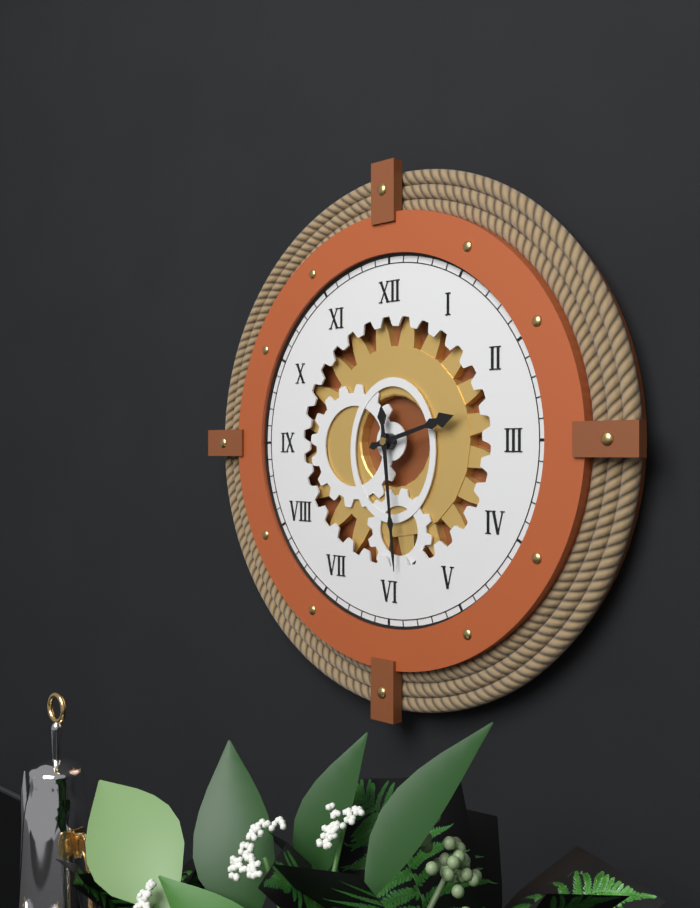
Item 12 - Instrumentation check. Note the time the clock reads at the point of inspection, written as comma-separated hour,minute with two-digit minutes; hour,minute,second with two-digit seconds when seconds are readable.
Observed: 2,29
